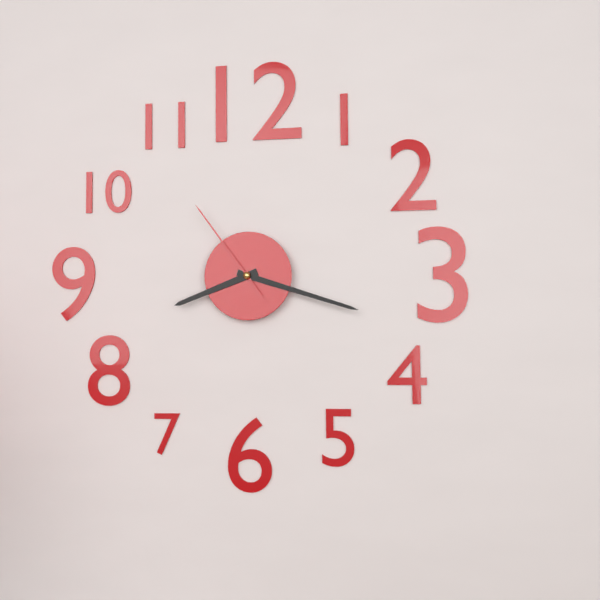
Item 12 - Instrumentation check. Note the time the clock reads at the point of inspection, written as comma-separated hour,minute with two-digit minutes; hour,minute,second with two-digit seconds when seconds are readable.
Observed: 8,18,54
